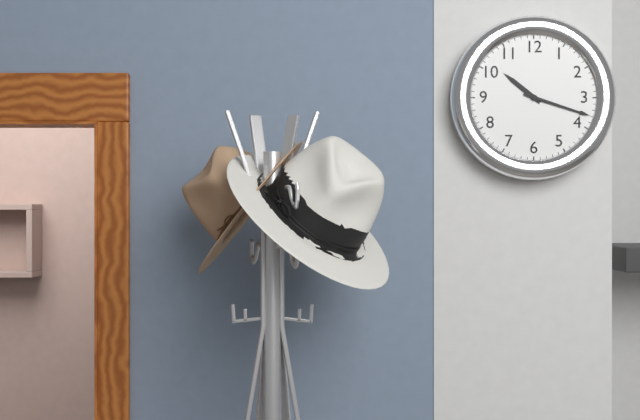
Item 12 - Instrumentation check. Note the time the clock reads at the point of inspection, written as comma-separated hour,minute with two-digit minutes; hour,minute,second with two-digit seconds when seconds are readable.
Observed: 10,18
